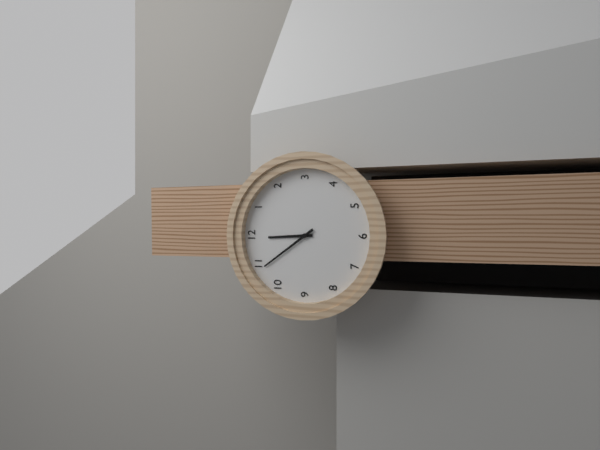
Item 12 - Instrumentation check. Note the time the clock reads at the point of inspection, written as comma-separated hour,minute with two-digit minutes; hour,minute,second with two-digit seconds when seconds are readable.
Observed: 11,54
